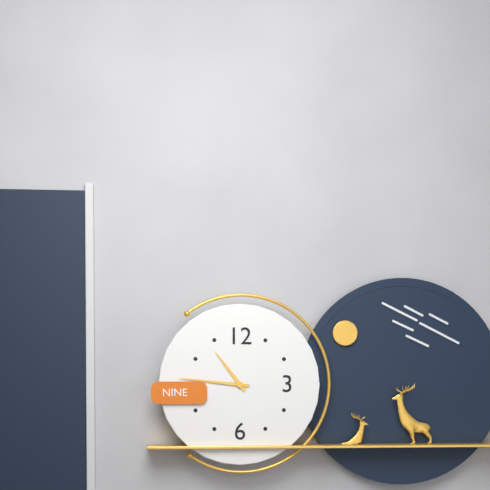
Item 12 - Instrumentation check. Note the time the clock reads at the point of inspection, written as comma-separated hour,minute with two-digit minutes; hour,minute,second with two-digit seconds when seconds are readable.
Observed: 10,46
